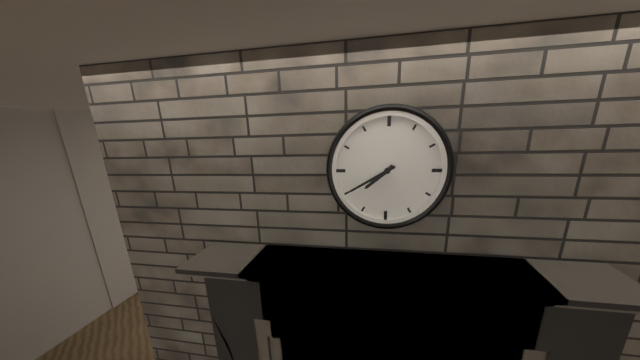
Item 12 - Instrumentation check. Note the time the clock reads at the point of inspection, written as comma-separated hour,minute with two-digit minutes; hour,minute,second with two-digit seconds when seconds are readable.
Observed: 7,40
